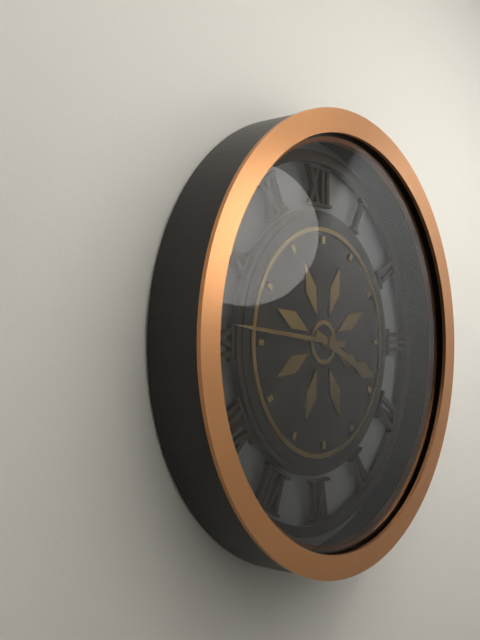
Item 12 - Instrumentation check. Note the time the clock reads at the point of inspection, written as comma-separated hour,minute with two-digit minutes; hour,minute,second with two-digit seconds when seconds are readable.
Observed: 3,46
